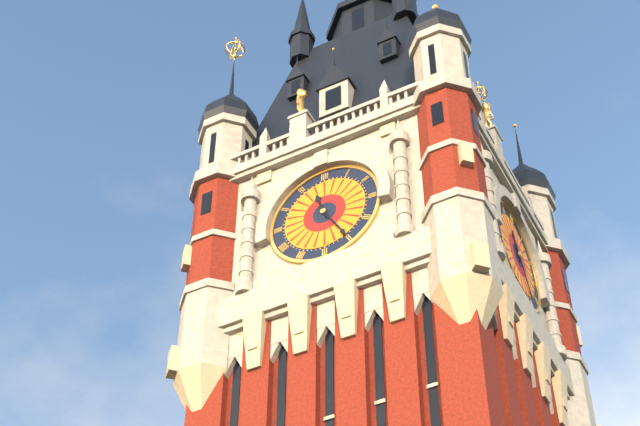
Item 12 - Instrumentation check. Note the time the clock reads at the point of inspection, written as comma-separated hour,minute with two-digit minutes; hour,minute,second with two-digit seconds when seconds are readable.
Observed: 11,25
